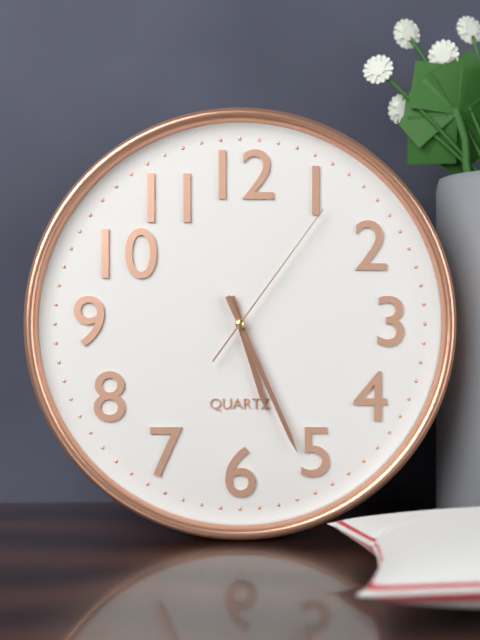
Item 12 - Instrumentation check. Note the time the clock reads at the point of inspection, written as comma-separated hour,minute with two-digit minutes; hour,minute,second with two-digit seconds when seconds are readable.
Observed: 5,26,06
